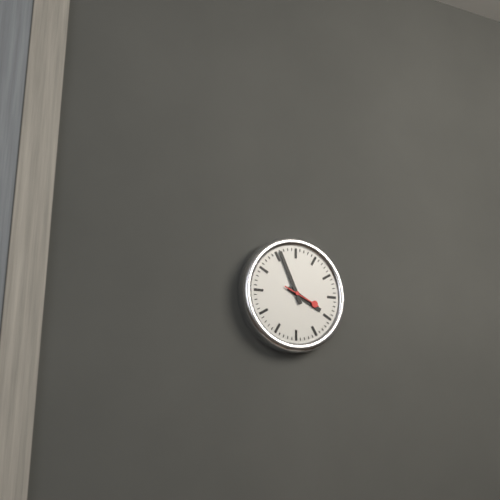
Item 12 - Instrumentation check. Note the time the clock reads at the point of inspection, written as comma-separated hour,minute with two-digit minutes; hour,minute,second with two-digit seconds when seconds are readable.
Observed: 3,56
